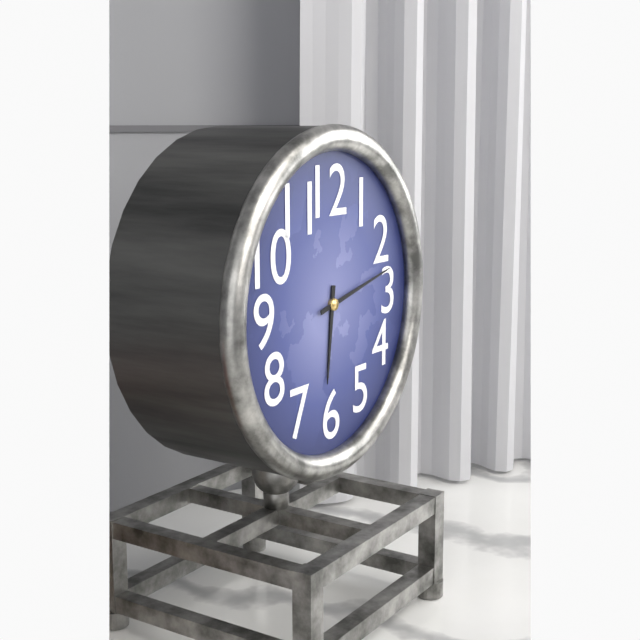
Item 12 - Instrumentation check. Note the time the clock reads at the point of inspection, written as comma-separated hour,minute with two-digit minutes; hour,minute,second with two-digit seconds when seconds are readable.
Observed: 6,13
